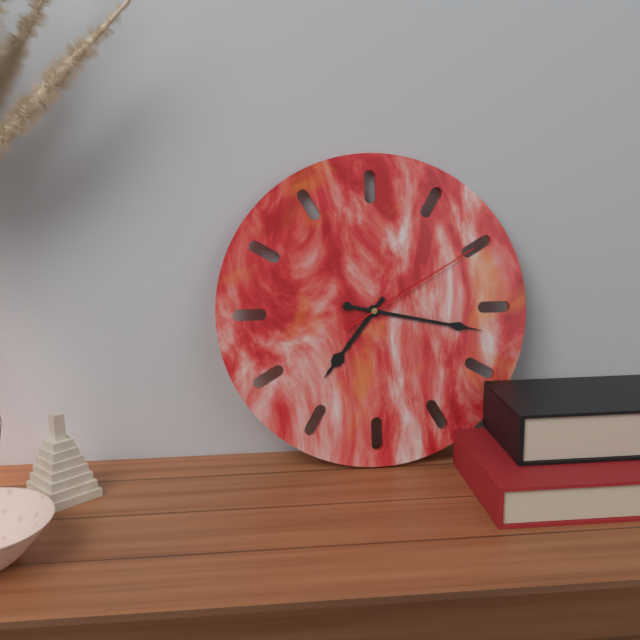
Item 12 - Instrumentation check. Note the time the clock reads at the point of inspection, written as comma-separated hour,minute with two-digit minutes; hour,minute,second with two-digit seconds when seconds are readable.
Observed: 7,17,10
